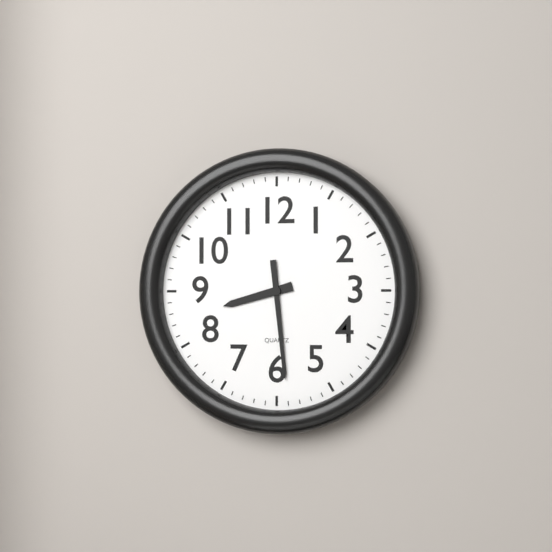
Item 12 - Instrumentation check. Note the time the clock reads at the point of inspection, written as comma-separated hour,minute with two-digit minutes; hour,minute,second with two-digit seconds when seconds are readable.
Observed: 8,29
